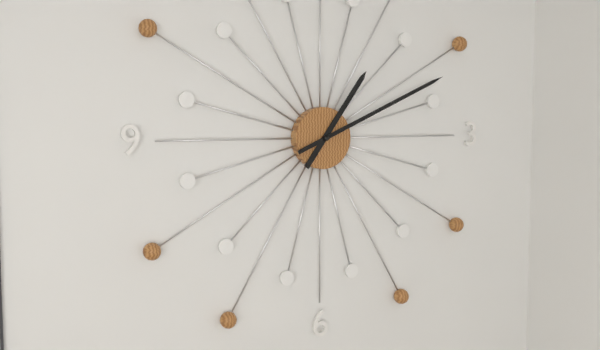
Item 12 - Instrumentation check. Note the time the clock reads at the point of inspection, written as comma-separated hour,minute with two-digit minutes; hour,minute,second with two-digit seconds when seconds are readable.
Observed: 1,11
